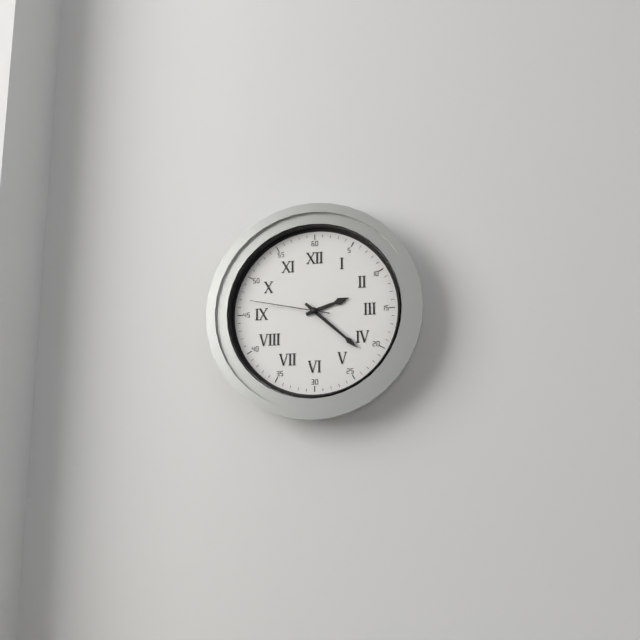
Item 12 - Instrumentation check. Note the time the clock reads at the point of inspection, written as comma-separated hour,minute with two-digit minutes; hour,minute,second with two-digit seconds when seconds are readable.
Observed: 2,22,47
